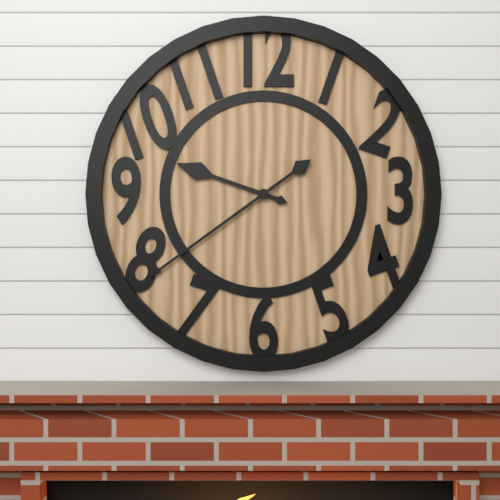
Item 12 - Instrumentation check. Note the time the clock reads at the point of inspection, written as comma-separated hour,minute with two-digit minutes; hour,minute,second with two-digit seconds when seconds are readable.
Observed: 9,39
